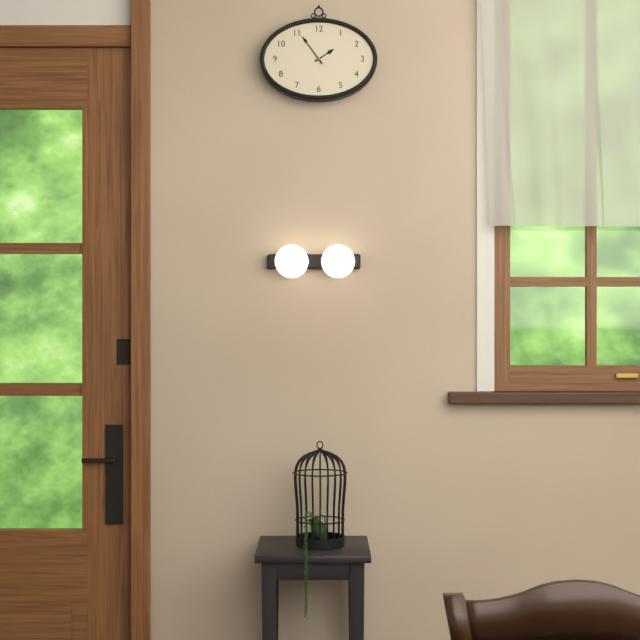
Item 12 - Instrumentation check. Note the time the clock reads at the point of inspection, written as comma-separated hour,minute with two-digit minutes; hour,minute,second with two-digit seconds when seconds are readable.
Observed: 1,54
